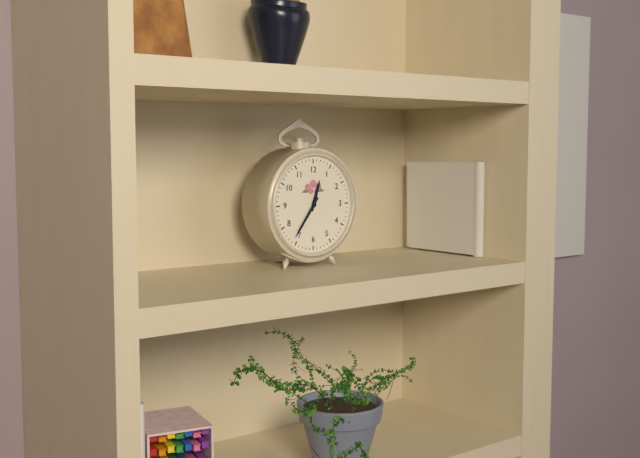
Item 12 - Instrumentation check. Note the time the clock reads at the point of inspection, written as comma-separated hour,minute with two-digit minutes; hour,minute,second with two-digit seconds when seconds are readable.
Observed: 12,36
